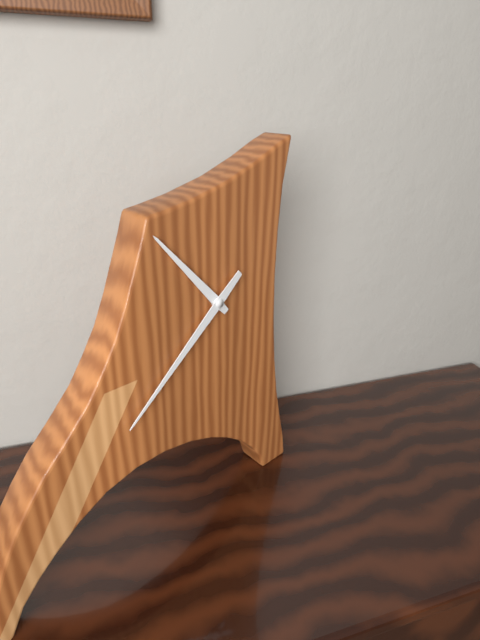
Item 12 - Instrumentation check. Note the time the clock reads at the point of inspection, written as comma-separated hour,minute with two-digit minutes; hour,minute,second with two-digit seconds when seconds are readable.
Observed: 10,38
